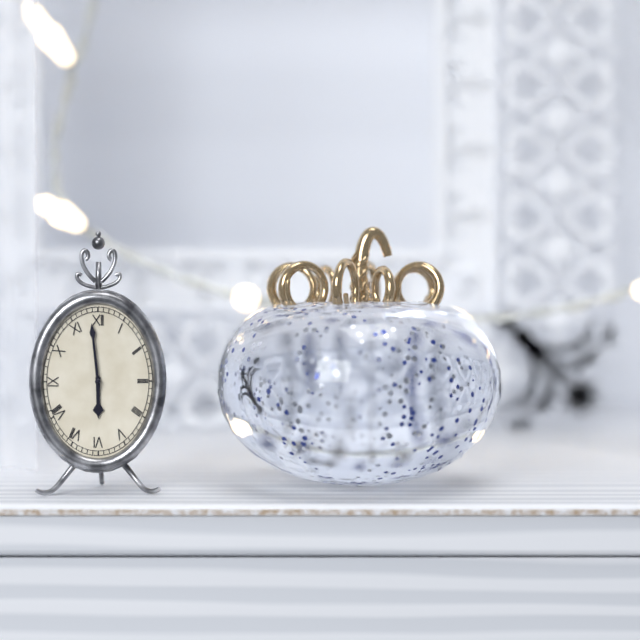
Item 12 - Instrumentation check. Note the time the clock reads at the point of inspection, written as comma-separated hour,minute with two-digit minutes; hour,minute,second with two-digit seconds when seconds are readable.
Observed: 5,59
